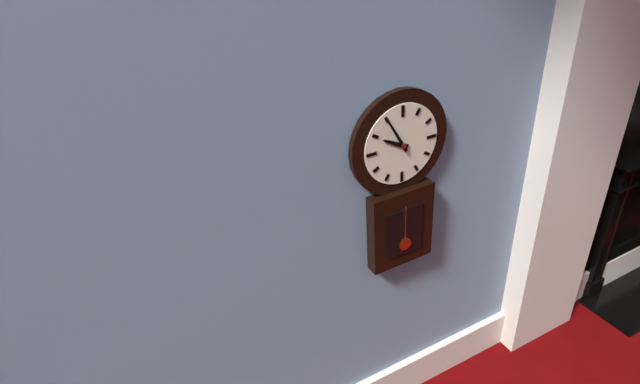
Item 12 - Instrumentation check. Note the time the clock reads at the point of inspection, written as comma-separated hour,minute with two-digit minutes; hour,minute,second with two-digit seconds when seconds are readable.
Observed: 9,55
